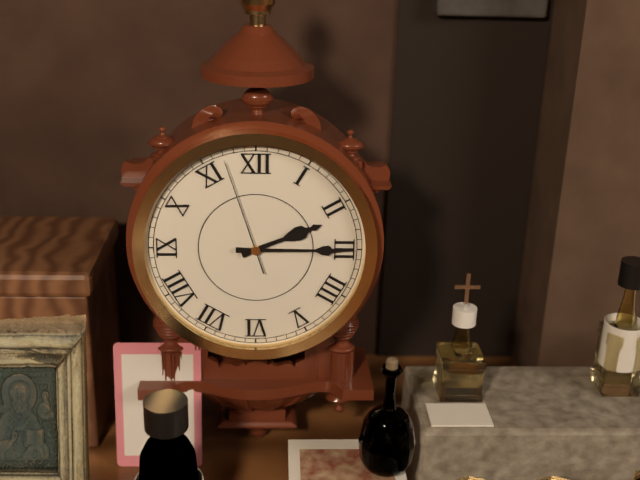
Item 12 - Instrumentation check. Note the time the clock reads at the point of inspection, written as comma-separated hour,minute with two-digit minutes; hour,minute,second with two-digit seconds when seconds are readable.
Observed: 2,15,57
